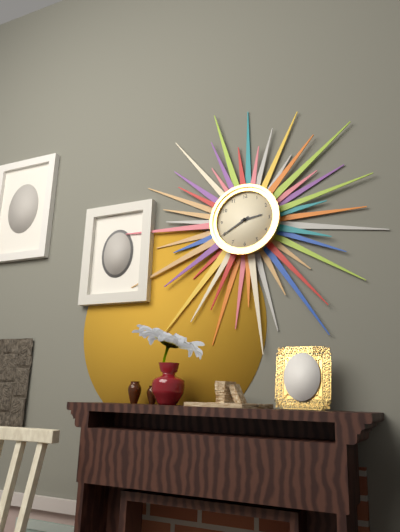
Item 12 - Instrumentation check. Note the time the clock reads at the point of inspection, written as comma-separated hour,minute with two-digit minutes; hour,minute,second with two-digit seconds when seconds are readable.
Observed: 2,40
